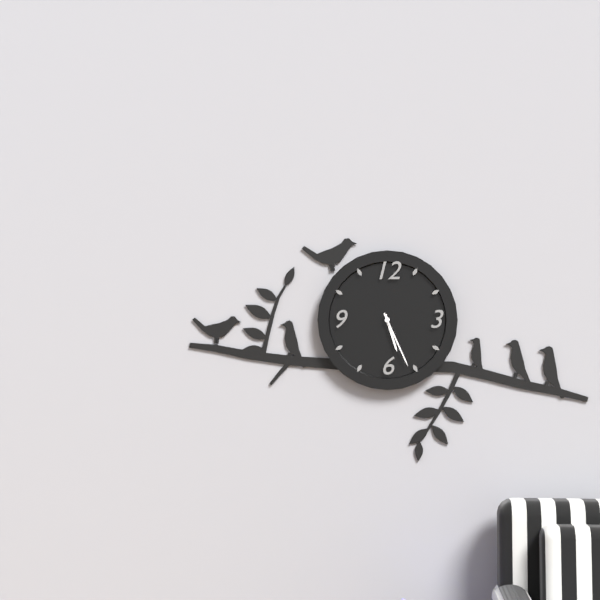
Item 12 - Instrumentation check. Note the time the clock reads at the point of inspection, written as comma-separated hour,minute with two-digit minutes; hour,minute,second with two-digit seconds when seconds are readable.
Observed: 5,26
